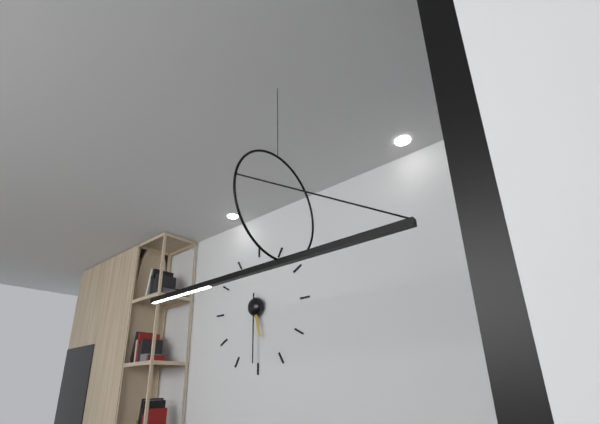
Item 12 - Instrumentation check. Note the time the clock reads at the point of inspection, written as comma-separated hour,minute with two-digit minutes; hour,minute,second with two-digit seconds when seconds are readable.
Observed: 5,30
